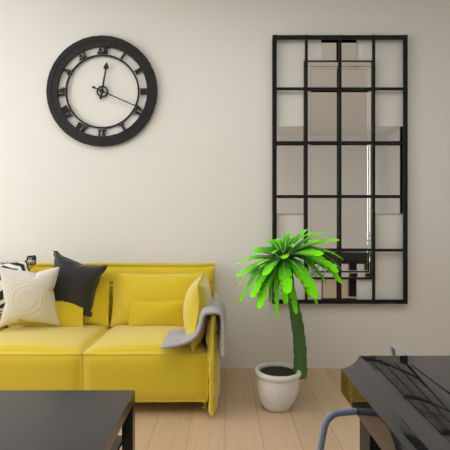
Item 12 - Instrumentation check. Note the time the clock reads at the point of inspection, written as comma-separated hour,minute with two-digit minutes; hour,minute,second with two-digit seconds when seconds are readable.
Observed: 12,19
